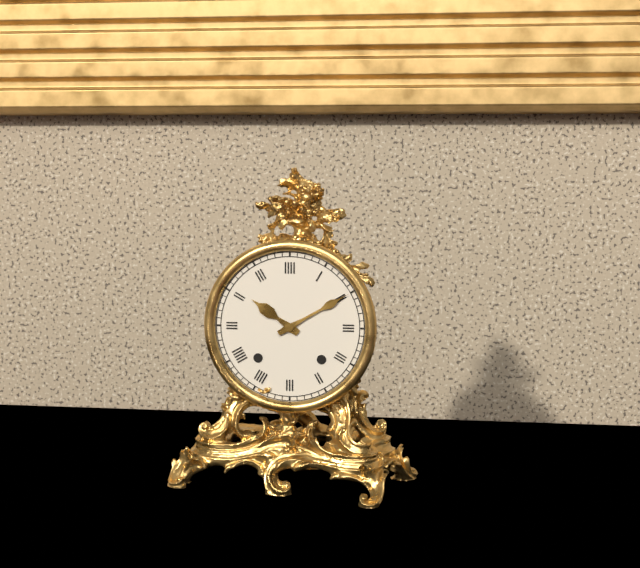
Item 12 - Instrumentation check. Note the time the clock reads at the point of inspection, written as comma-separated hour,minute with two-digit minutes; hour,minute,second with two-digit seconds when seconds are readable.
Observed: 10,10
